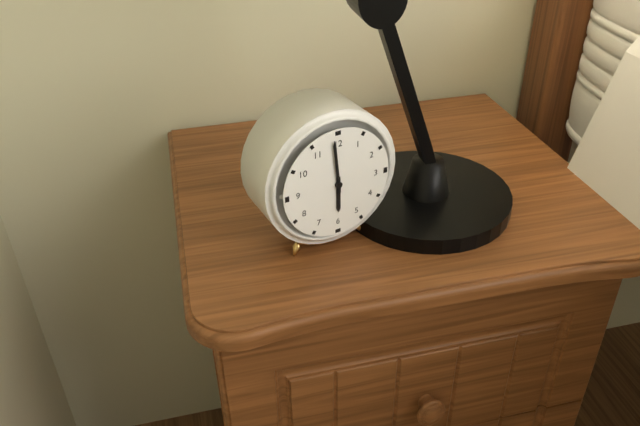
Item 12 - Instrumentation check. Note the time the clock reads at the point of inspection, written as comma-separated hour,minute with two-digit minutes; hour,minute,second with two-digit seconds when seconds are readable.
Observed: 5,59
